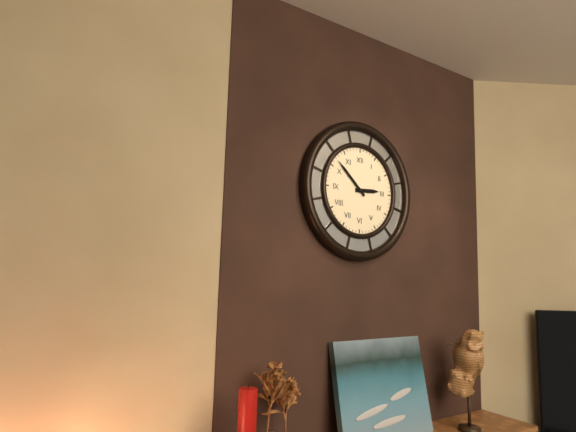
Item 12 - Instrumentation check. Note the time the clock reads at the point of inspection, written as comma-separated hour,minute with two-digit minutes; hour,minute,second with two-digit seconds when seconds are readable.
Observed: 2,52
